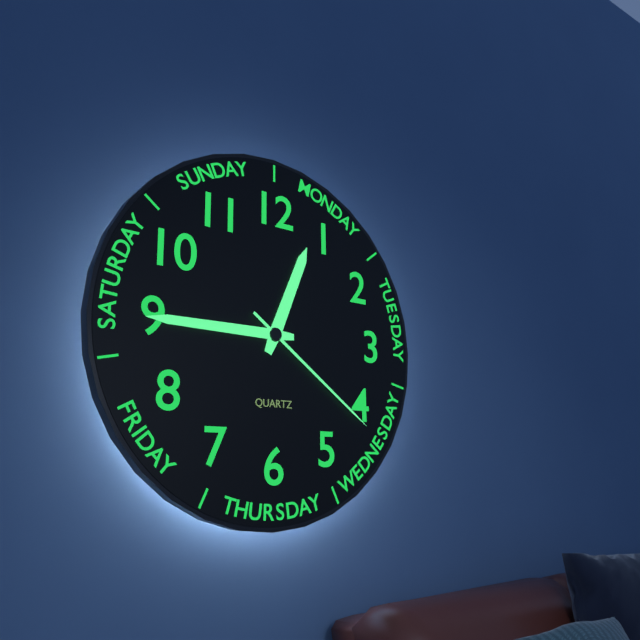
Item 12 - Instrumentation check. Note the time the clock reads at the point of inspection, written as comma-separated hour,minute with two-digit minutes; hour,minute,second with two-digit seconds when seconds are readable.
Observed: 12,45,21
